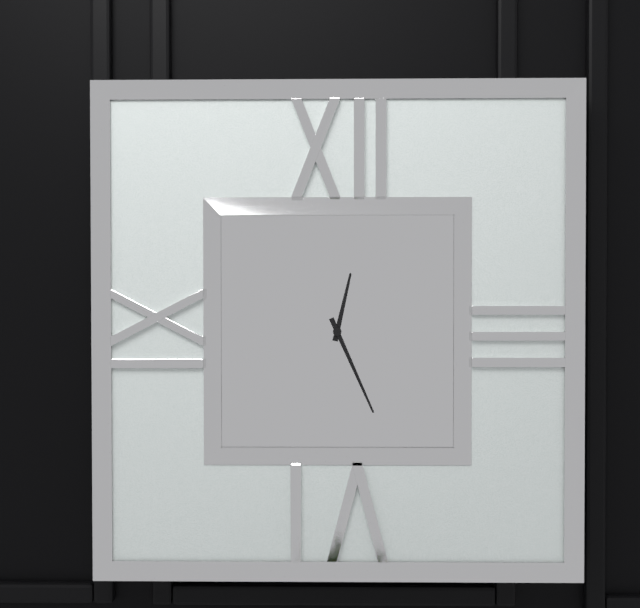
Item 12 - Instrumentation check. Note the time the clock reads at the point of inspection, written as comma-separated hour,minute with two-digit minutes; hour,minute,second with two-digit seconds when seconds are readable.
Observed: 12,26
